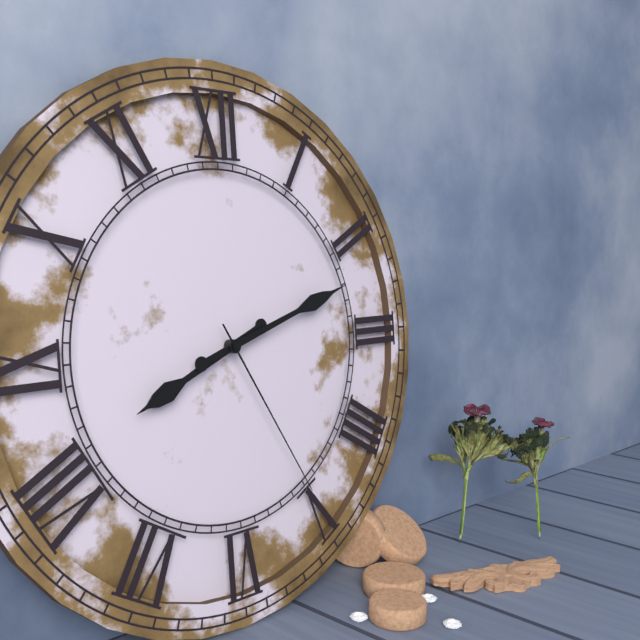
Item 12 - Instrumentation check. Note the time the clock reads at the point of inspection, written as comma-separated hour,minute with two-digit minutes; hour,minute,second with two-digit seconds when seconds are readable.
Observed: 8,12,25
